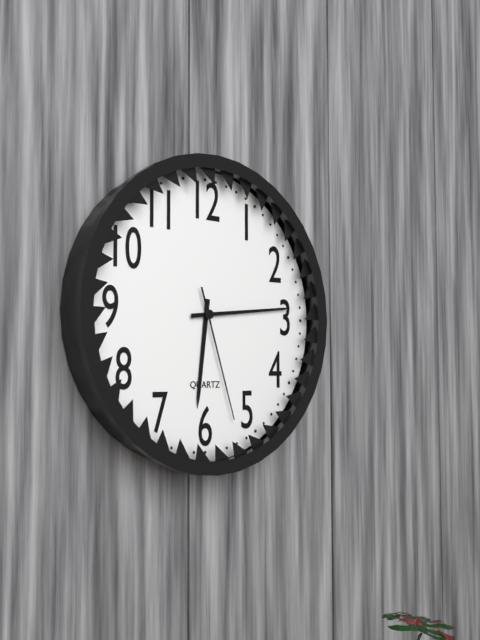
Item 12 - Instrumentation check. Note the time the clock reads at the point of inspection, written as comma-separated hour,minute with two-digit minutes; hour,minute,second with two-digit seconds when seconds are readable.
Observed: 6,14,27
